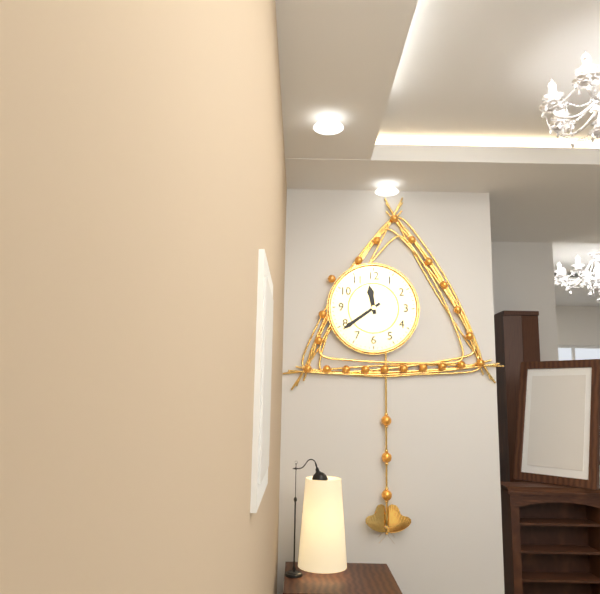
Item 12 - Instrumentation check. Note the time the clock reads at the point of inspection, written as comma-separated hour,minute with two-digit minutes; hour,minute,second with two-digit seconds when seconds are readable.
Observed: 11,39
